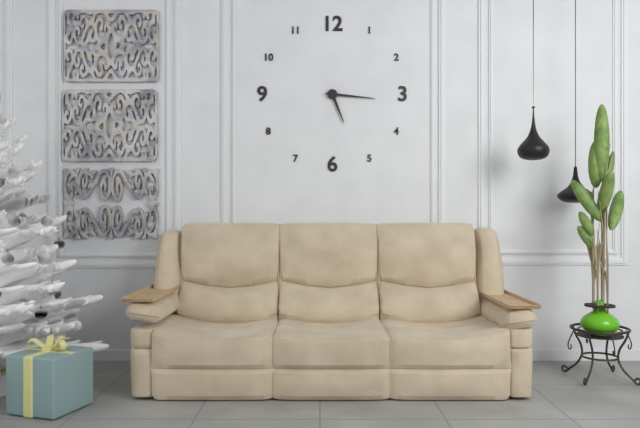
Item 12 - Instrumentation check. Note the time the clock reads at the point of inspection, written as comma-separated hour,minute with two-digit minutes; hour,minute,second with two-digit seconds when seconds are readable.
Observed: 5,16
